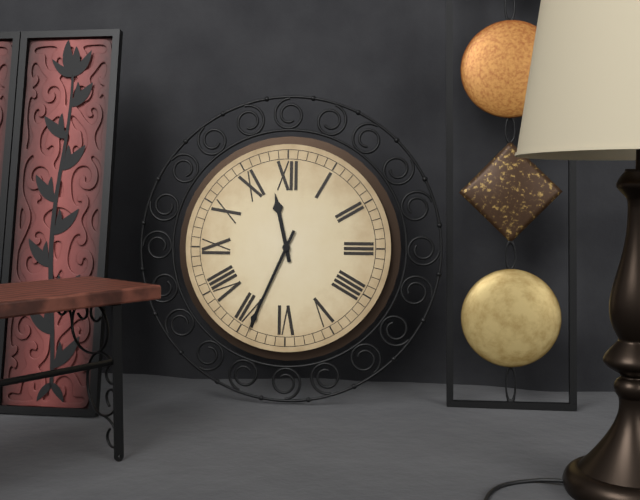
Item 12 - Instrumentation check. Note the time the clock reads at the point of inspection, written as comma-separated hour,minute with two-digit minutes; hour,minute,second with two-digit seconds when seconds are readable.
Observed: 11,34
